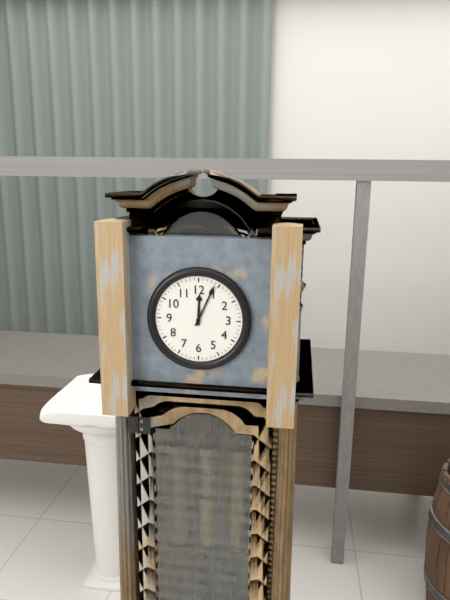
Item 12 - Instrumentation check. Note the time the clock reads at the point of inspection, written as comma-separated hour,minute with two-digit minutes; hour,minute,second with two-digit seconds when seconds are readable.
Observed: 12,04
